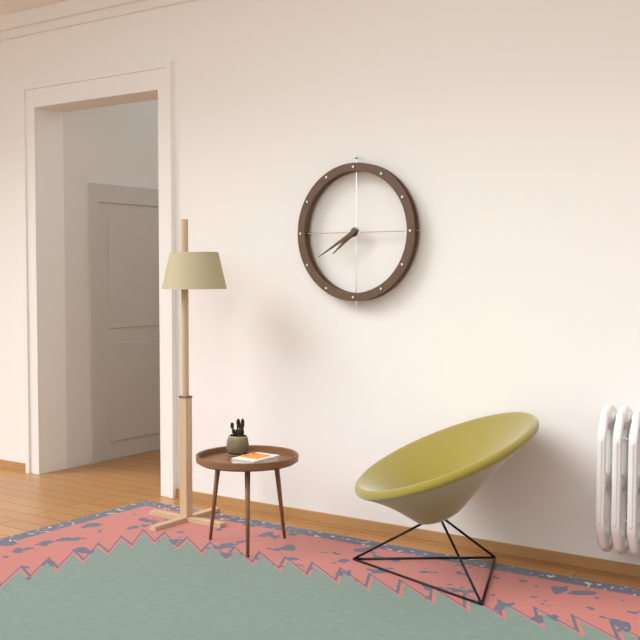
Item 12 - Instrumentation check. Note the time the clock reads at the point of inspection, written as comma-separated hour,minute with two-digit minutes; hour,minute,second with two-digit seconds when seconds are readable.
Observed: 7,40
